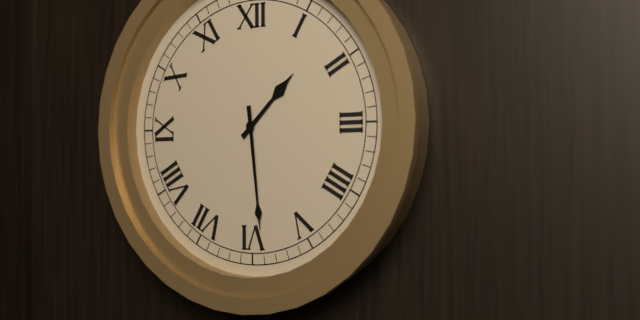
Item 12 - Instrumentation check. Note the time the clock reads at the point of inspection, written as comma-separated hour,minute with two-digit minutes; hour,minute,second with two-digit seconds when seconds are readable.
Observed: 1,29
